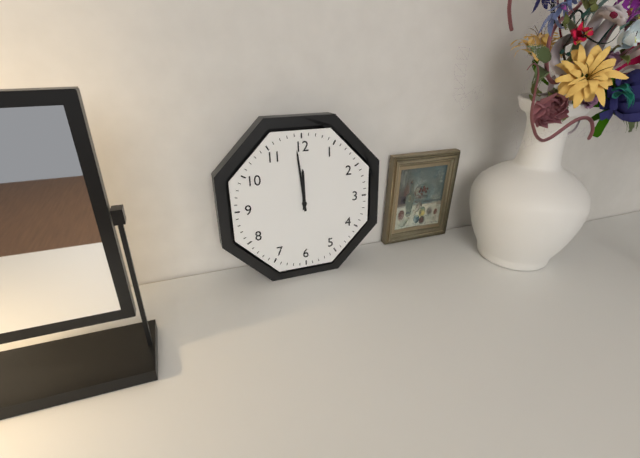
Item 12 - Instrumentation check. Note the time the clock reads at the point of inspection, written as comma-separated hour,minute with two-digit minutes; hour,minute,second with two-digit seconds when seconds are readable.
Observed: 11,59
